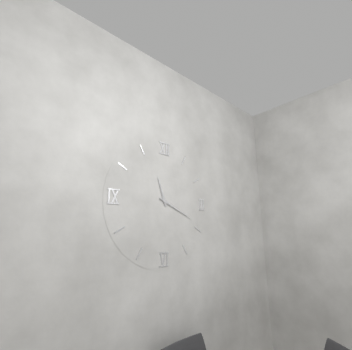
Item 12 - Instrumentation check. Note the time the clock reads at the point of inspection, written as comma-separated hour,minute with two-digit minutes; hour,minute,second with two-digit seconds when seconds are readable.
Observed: 11,19
